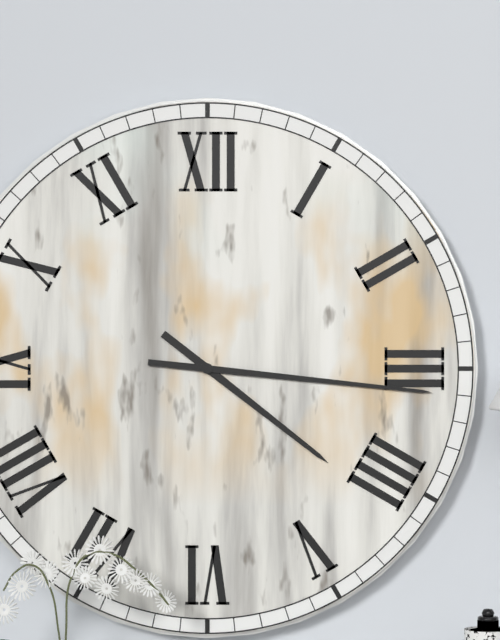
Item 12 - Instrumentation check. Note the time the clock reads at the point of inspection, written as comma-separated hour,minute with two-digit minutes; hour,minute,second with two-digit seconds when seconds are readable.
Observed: 4,16
